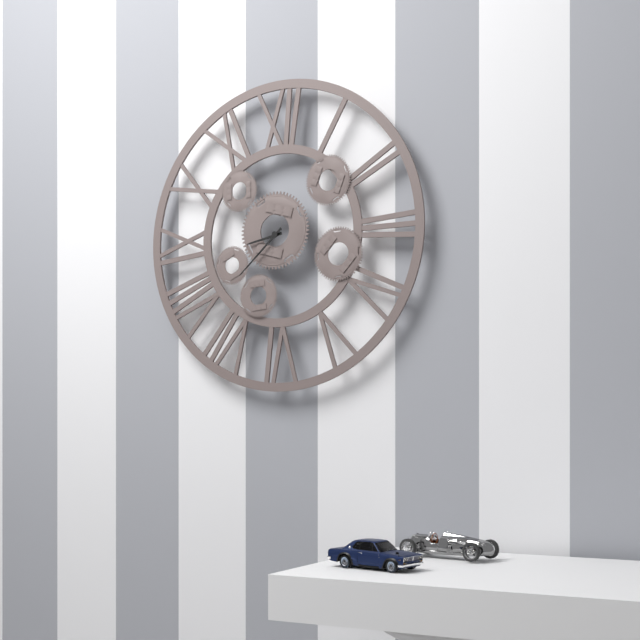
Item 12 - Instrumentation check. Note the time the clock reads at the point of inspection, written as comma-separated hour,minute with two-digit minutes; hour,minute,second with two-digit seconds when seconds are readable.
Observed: 8,38
